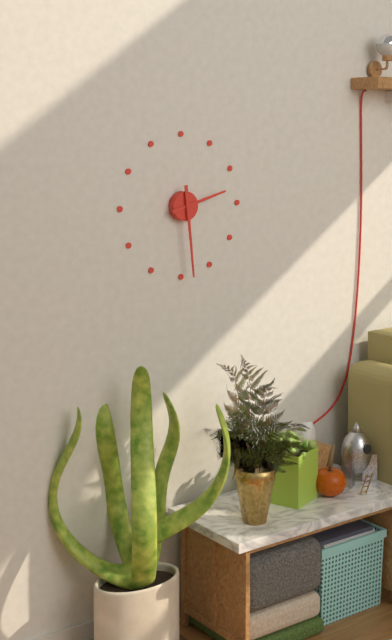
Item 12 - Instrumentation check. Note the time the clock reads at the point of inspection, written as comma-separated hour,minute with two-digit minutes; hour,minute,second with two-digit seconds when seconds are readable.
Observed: 2,29
